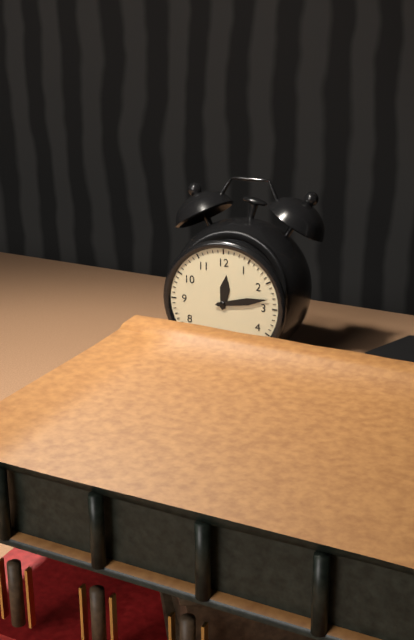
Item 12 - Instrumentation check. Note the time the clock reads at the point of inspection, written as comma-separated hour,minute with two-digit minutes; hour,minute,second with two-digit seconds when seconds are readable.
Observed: 12,13
